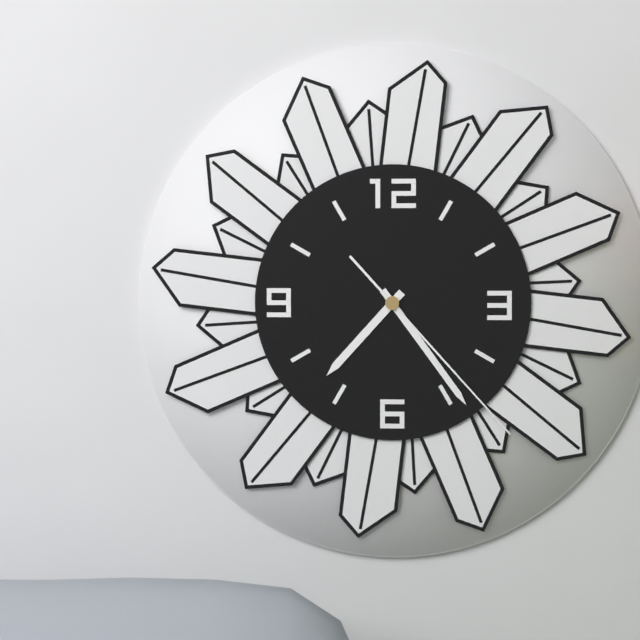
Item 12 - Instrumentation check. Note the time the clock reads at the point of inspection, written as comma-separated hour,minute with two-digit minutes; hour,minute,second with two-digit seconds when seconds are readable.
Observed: 7,24,23
